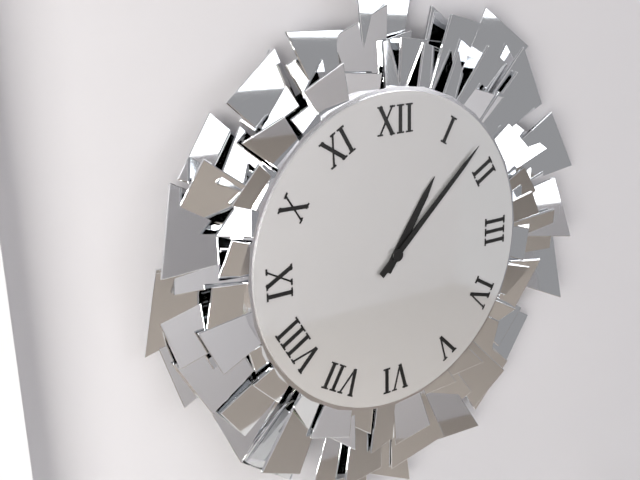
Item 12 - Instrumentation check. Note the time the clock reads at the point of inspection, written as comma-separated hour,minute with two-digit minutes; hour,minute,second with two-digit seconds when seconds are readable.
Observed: 1,08
